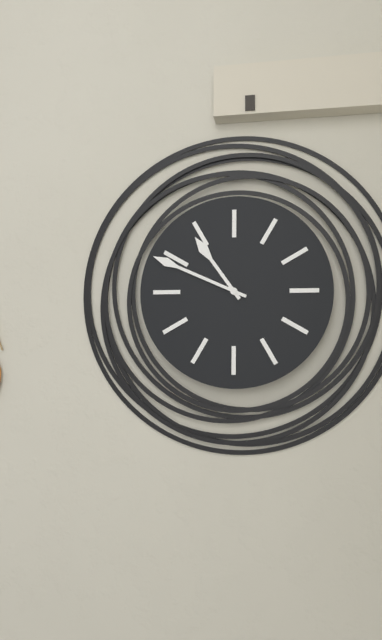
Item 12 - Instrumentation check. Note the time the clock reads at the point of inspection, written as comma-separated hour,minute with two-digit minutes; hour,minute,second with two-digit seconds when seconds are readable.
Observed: 10,49
